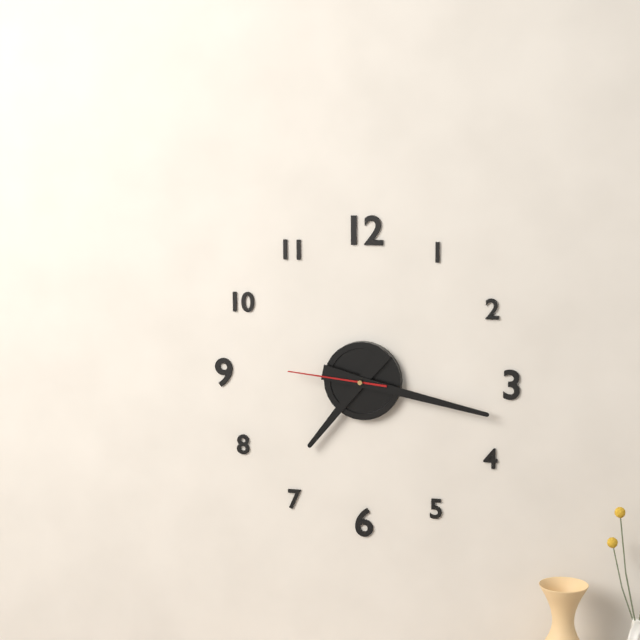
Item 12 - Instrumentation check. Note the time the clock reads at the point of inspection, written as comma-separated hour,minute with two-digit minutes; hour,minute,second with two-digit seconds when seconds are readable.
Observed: 7,17,46
